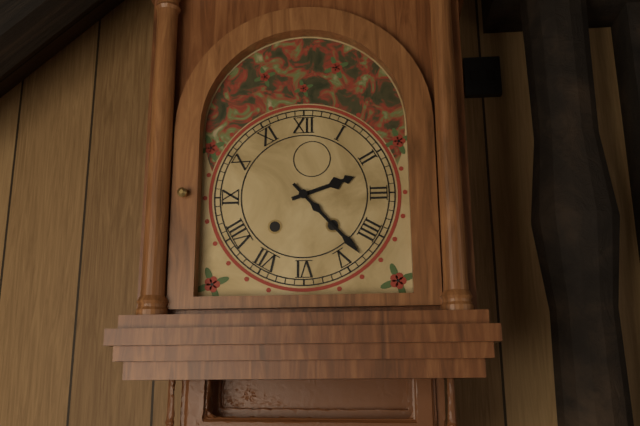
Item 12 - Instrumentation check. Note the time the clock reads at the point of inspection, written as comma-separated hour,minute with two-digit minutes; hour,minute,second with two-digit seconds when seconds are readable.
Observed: 2,23
